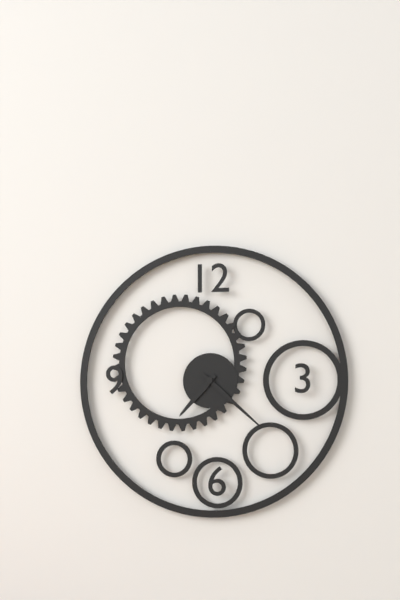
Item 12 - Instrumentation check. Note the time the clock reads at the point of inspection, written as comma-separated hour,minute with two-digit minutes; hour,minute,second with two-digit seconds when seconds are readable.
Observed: 7,22
